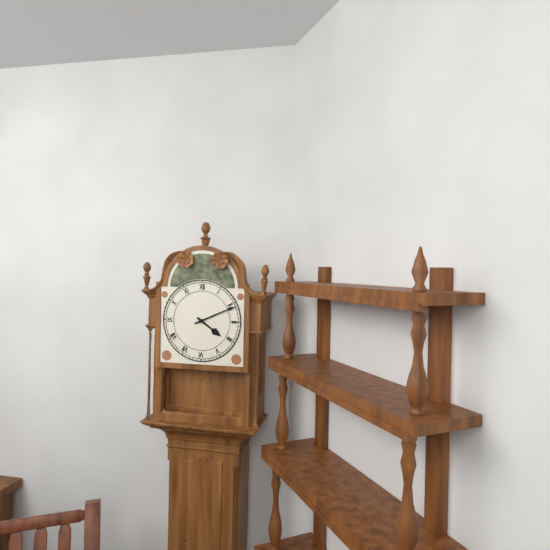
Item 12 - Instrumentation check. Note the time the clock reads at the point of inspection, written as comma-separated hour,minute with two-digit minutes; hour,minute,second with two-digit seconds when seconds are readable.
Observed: 4,11
